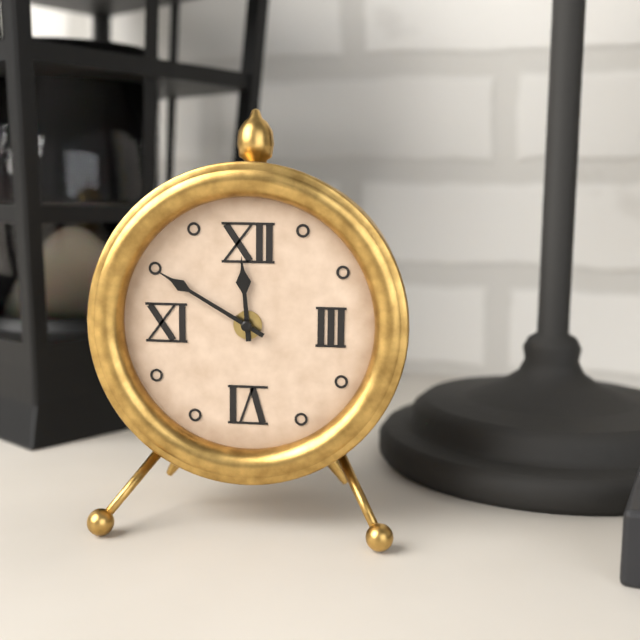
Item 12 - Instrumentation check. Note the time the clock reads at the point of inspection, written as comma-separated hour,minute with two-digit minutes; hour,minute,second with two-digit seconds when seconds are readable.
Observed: 11,50
